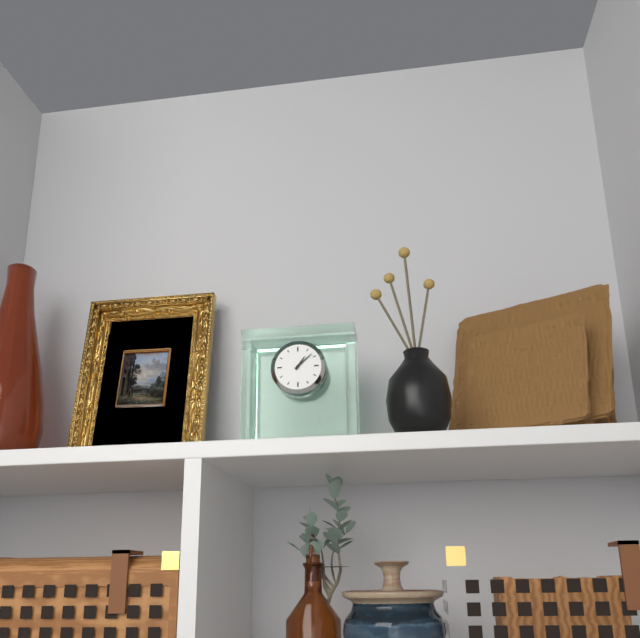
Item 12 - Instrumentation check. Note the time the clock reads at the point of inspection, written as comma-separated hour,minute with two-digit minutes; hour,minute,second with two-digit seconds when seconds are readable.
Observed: 1,08
